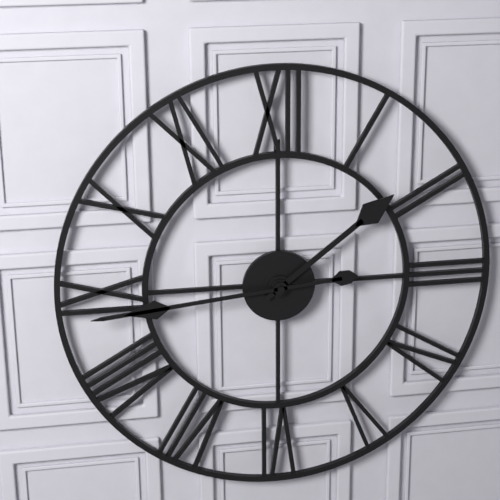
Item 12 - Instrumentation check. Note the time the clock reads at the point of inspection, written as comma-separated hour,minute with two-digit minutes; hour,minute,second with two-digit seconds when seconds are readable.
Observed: 1,44
